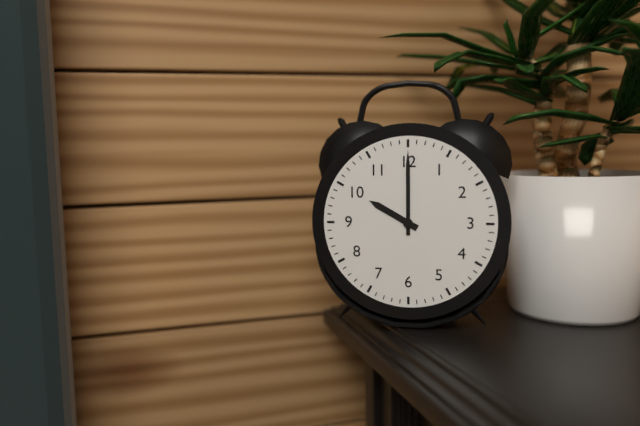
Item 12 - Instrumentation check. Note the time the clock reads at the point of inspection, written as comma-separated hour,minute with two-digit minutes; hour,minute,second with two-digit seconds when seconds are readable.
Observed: 10,00
